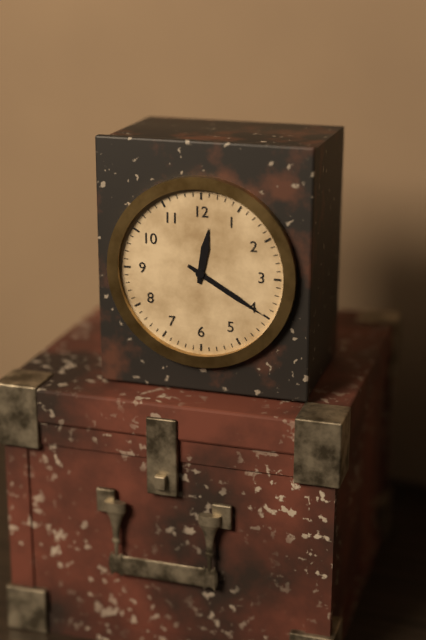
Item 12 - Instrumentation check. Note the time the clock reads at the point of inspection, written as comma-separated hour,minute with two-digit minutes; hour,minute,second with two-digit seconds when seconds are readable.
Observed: 12,20
